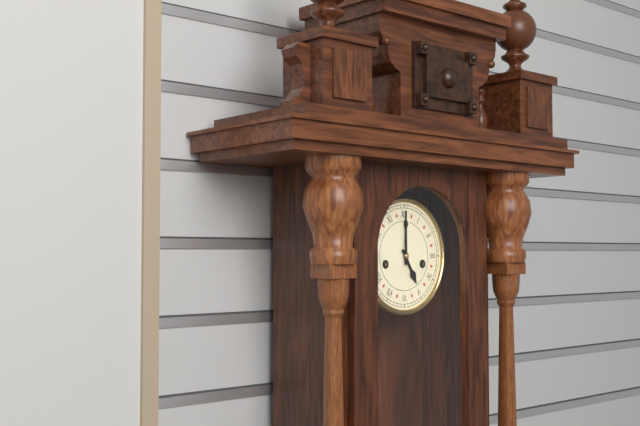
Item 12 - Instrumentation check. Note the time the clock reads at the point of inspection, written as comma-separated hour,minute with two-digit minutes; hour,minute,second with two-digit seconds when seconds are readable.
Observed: 5,00
